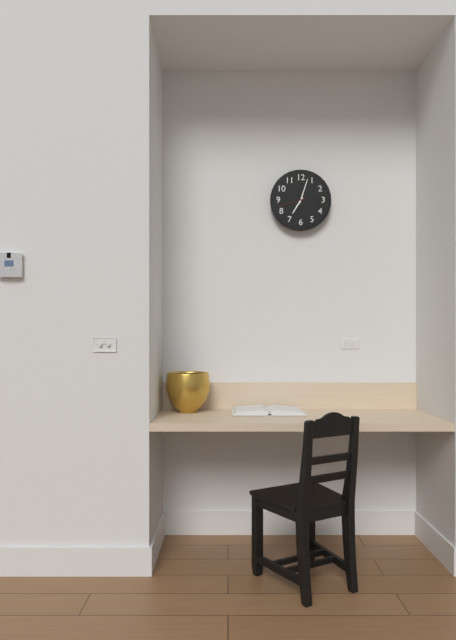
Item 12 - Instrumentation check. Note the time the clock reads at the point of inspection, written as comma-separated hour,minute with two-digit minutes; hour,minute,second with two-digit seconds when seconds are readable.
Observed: 7,03
